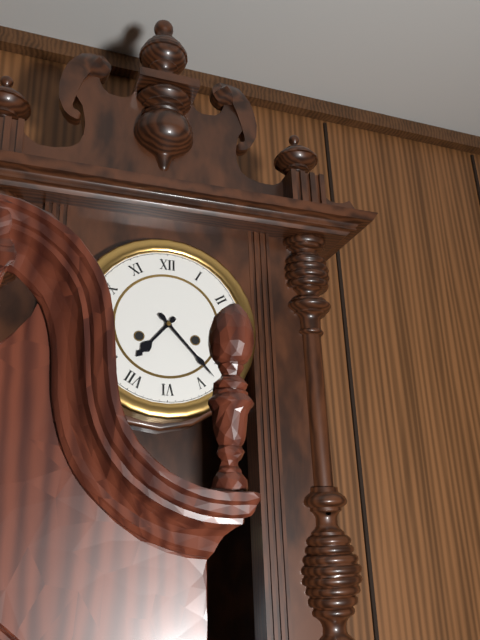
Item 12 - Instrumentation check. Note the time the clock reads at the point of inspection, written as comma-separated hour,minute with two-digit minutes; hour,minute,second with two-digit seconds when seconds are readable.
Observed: 7,23
